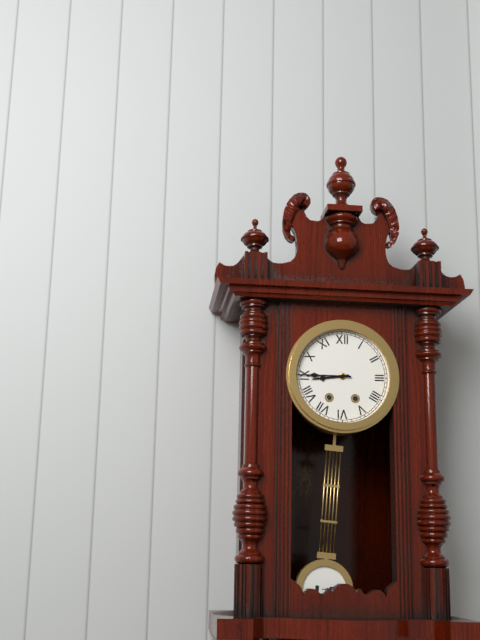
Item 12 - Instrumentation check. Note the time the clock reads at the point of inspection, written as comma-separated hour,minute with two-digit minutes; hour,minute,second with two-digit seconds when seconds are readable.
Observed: 8,45
